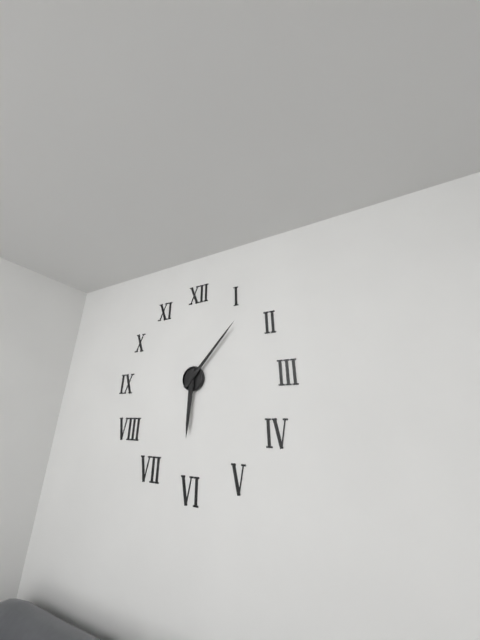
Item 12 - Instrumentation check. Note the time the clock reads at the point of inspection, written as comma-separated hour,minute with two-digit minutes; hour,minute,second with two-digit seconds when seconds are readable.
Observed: 6,07
